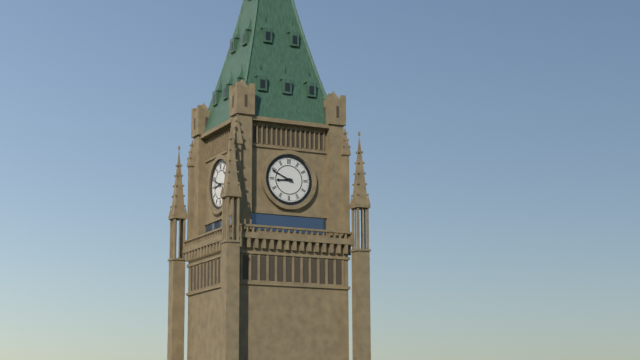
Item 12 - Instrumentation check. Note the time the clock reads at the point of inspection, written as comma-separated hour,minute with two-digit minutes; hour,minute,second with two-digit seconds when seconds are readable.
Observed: 8,49
